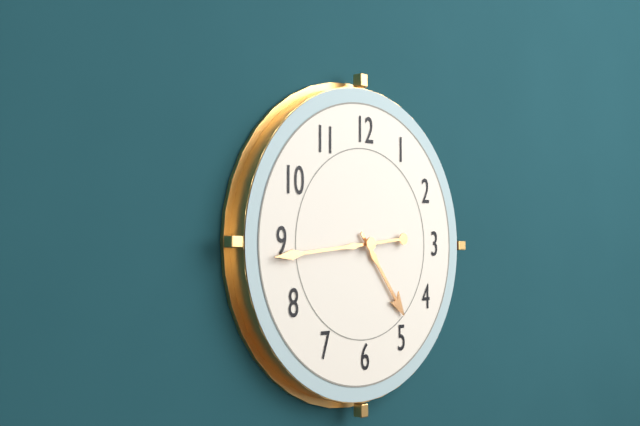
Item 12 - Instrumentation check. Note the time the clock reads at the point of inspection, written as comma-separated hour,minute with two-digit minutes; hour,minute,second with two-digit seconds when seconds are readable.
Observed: 4,44
